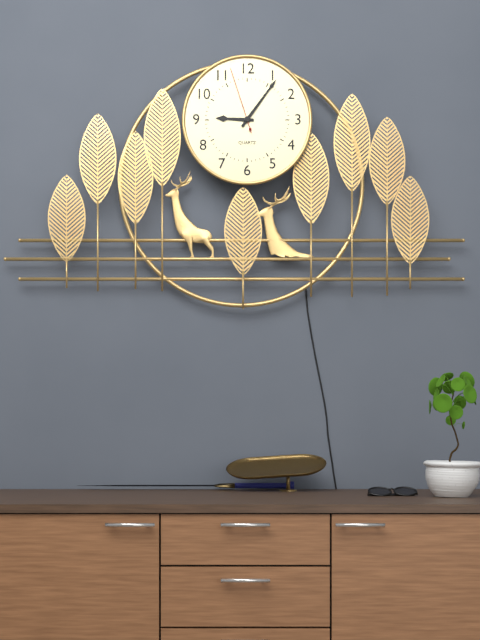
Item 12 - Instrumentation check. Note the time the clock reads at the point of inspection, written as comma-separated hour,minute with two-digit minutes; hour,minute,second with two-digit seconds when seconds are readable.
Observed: 9,06,57
